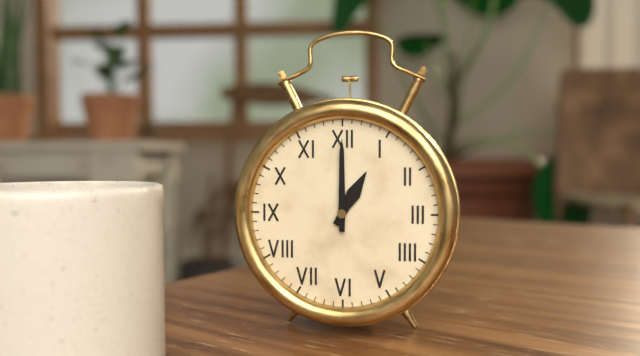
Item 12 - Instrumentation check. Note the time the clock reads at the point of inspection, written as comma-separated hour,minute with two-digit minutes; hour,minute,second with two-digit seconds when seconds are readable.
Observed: 1,00
